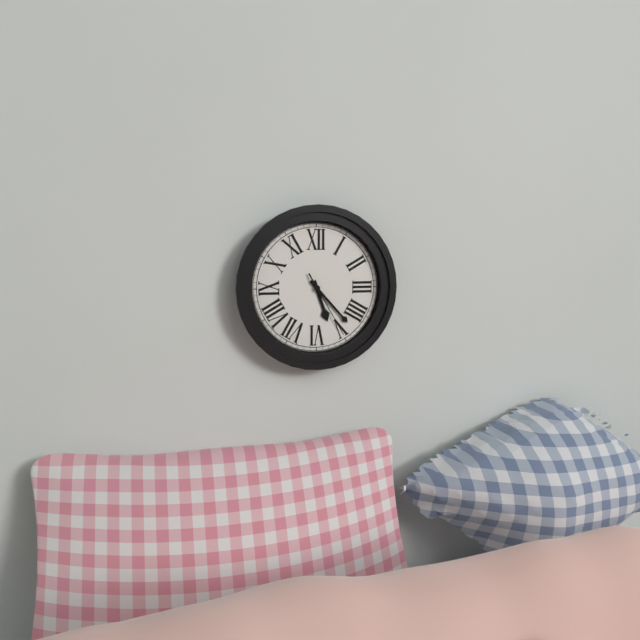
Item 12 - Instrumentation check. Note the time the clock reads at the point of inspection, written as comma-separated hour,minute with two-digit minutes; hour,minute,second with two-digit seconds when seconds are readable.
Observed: 5,23,25
